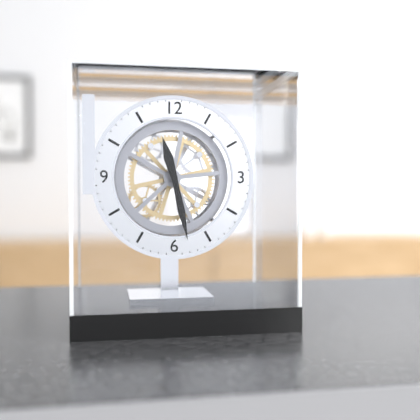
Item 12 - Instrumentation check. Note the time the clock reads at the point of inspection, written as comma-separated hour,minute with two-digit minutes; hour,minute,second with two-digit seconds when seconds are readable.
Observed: 11,28
